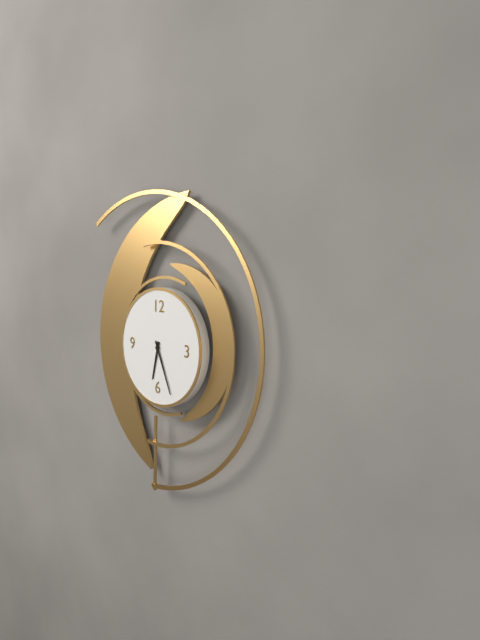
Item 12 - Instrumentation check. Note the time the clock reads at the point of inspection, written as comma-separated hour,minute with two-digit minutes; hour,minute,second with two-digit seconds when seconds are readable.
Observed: 6,26
